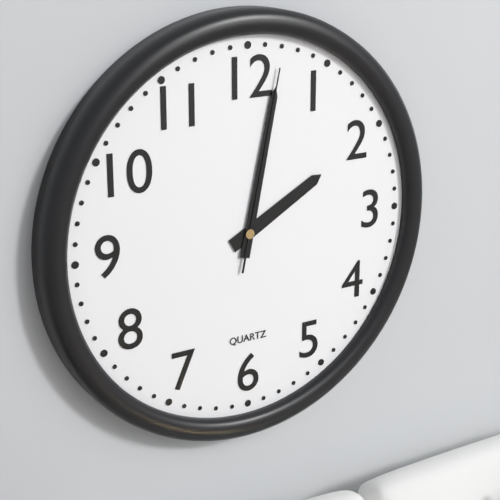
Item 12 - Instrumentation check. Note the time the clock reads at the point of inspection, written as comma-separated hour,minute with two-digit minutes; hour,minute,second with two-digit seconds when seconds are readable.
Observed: 2,02,02
